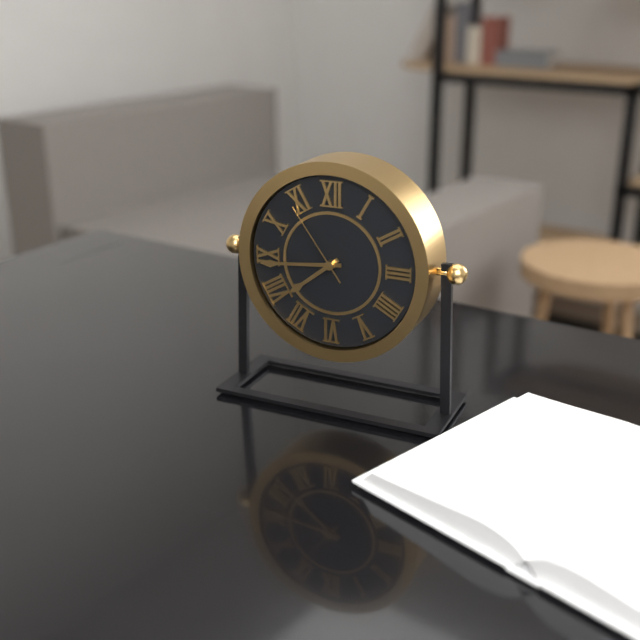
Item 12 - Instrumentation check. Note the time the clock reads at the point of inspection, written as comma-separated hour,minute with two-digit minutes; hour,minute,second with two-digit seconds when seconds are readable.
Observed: 7,44,54
